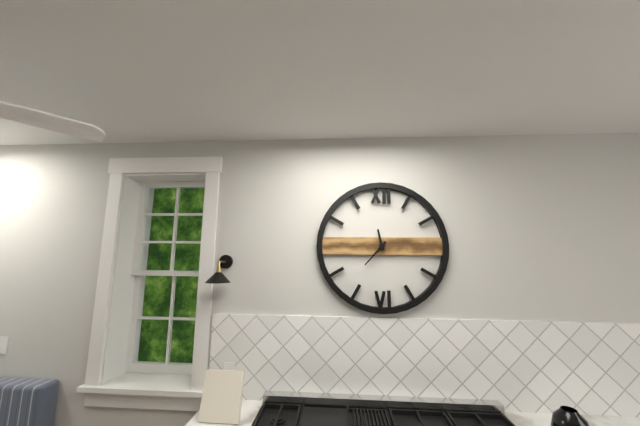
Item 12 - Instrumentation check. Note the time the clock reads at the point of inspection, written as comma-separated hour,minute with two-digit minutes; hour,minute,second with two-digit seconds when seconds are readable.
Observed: 11,37
